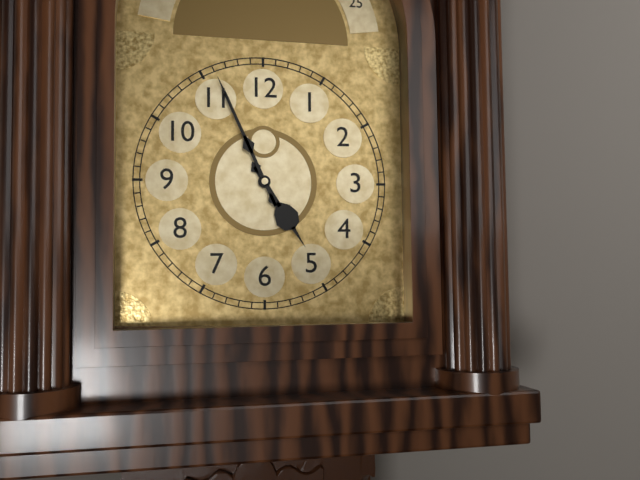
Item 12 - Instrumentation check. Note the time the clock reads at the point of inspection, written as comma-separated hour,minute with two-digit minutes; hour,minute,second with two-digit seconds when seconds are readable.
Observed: 4,56
